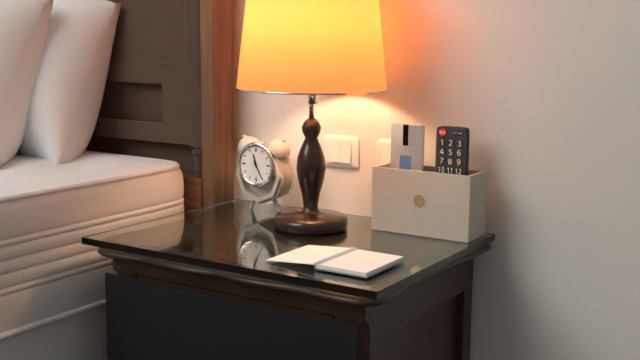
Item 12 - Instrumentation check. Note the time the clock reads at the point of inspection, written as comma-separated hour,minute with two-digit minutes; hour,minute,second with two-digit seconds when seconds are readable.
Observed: 11,25
